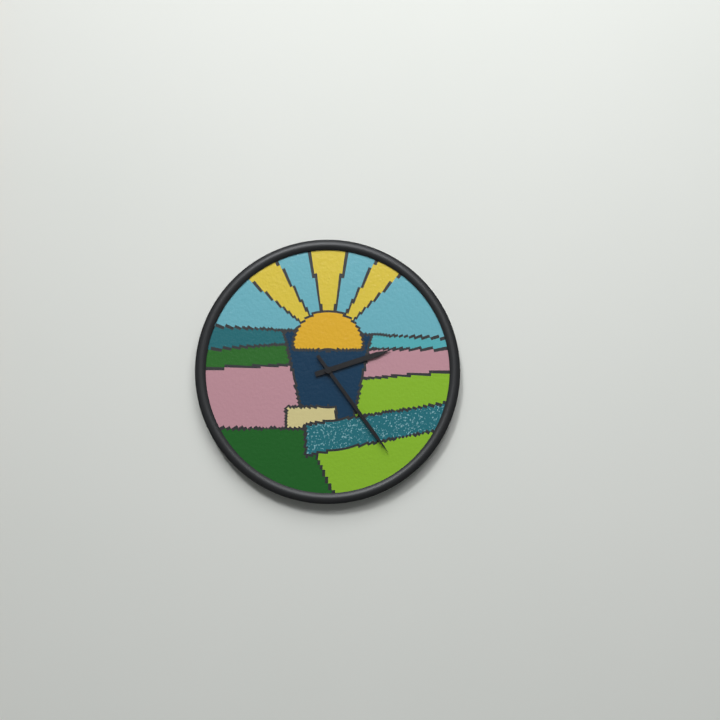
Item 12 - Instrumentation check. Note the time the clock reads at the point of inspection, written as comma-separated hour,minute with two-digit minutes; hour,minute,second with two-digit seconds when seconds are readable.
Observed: 2,24
